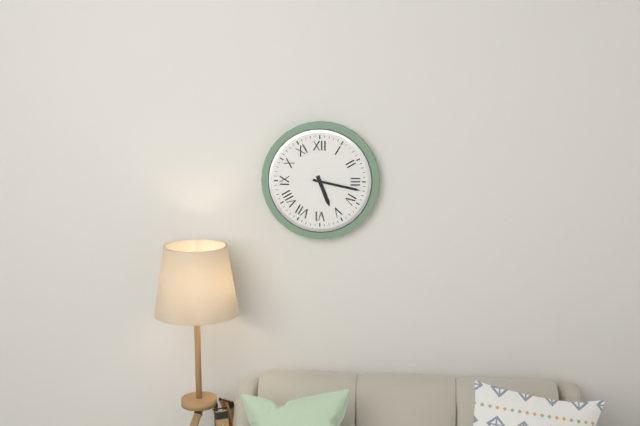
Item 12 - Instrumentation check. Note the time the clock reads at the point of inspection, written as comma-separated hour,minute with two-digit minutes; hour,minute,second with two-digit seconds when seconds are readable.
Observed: 5,17
